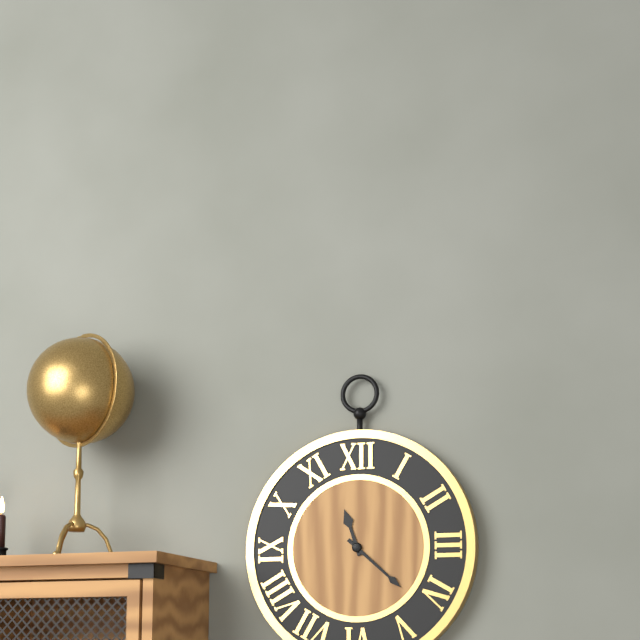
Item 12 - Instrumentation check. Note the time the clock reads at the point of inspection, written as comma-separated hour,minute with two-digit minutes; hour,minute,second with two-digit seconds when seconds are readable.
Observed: 11,22
